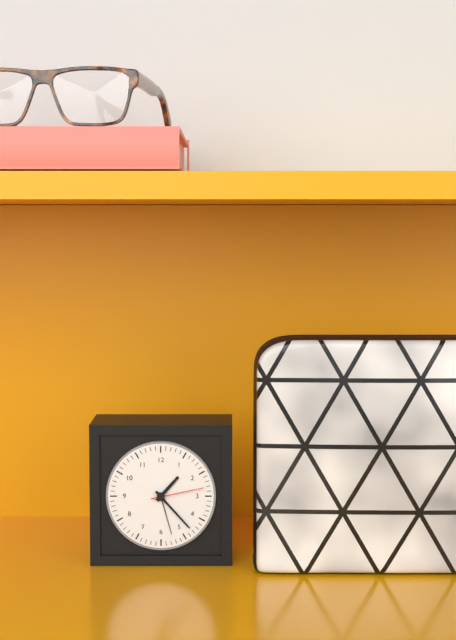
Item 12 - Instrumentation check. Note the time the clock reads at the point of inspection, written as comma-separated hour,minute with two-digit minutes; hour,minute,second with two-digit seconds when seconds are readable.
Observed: 1,23,13
